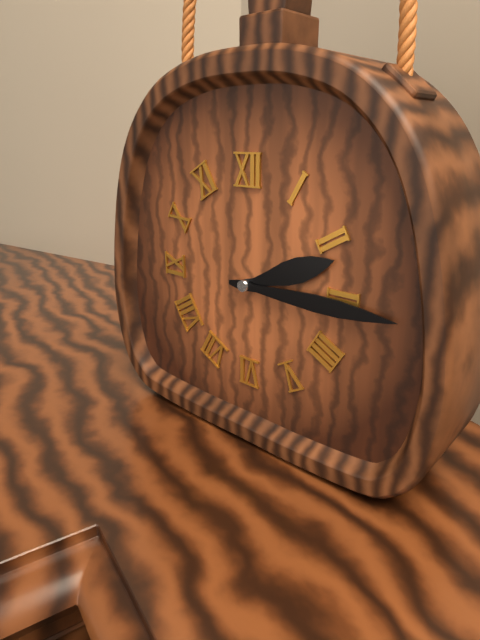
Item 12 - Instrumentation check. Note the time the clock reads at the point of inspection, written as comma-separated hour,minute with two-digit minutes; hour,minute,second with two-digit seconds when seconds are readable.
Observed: 2,15
